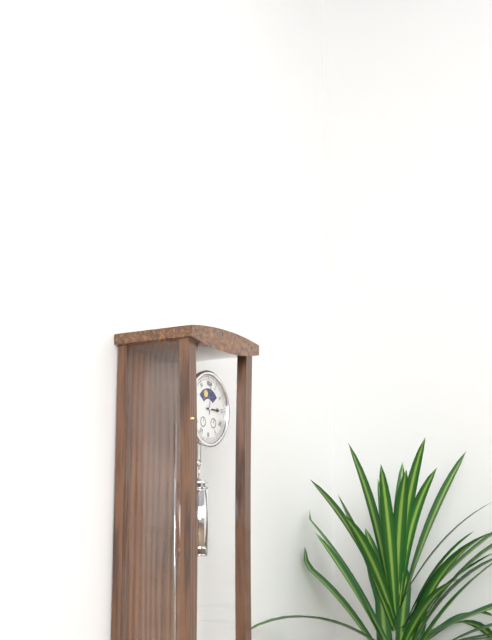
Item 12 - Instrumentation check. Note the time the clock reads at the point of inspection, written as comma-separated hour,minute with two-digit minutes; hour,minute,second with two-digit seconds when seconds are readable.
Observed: 3,01
